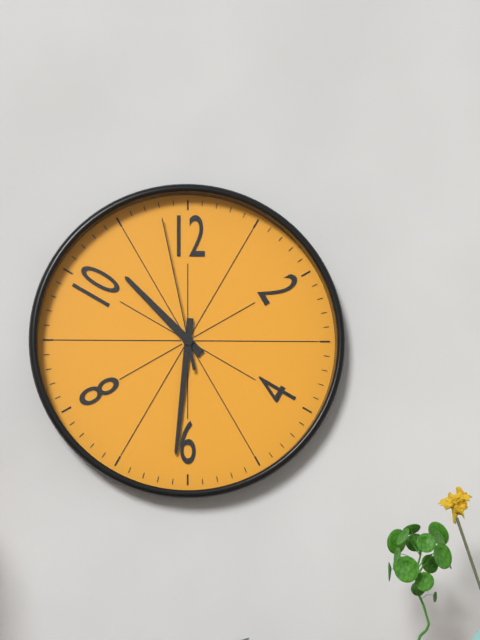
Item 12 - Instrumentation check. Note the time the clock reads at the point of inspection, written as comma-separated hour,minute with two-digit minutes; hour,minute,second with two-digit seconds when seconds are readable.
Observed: 10,31,58
